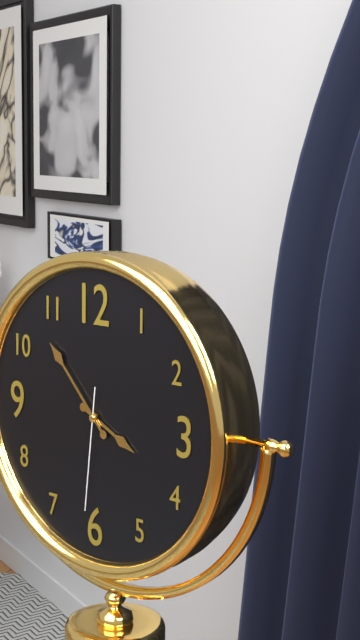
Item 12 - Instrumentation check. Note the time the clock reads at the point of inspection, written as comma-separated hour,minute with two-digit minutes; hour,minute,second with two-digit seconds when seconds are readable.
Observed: 3,53,31
